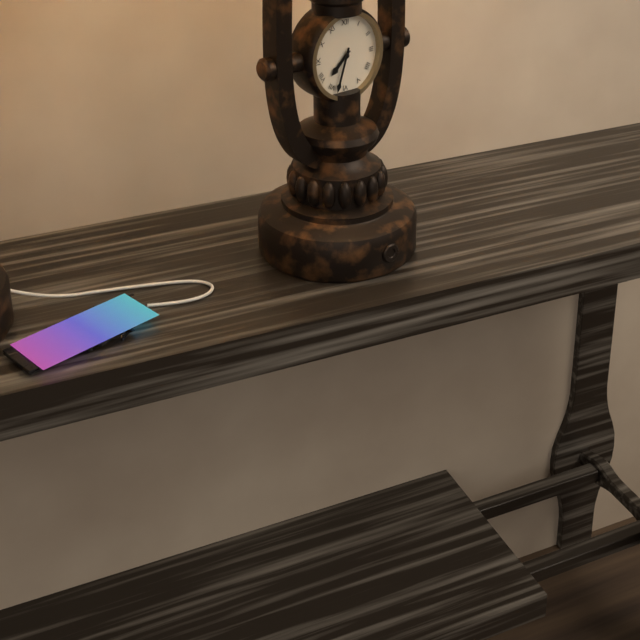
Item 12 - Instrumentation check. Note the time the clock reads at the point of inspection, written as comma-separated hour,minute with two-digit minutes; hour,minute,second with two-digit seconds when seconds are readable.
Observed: 7,33
